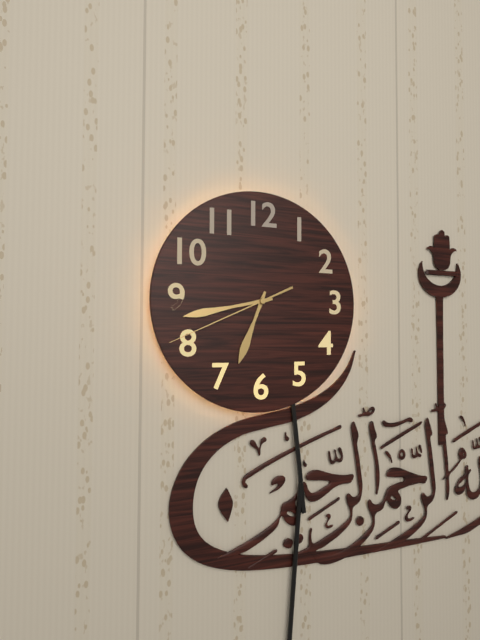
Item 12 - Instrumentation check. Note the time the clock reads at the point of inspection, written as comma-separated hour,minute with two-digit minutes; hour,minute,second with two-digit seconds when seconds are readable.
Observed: 6,43,41
